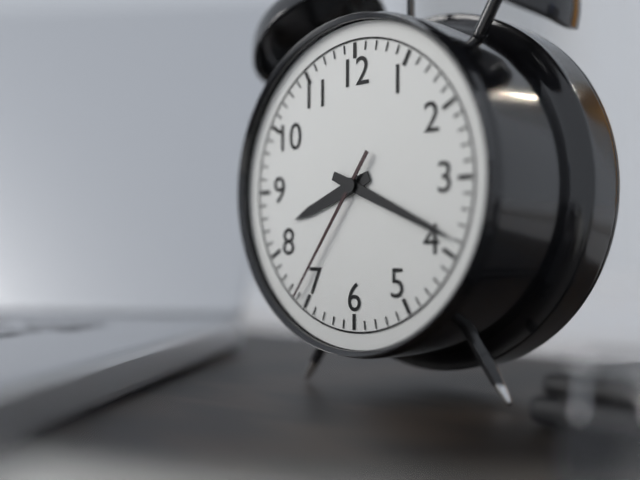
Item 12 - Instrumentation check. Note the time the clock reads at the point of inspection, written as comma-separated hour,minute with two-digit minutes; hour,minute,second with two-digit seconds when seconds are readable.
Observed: 8,19,36
